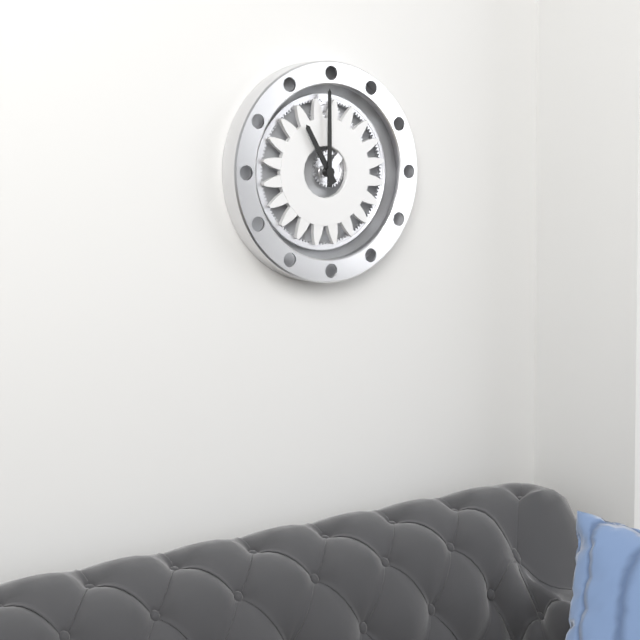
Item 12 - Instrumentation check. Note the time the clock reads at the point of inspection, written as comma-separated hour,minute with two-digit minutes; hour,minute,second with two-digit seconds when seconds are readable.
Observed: 11,00
